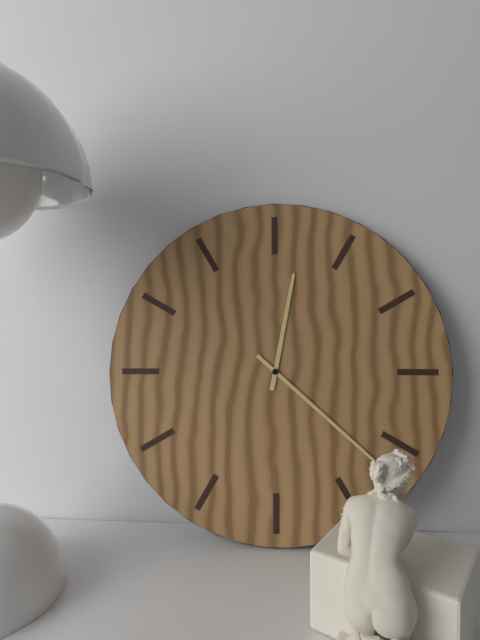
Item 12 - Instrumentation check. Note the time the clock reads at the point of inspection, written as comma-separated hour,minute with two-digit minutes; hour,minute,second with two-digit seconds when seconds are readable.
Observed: 12,22
